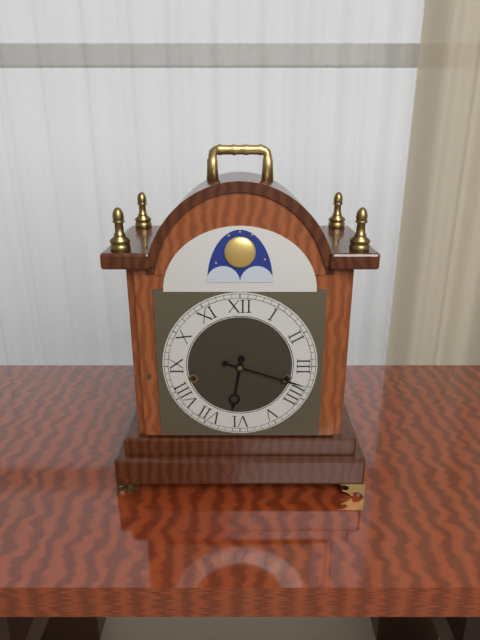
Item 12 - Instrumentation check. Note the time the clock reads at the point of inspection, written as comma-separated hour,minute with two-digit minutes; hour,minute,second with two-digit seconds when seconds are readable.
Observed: 6,18
